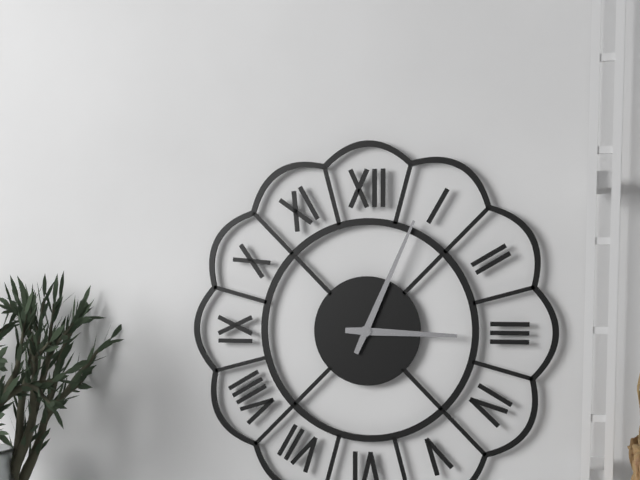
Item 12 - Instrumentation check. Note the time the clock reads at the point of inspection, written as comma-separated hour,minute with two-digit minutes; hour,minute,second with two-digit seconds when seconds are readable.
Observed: 3,04
